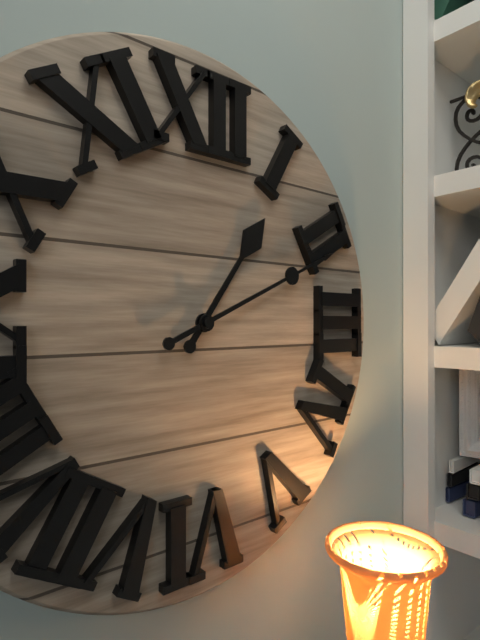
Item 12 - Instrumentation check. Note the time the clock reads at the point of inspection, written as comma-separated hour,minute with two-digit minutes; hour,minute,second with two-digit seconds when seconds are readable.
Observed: 1,11
